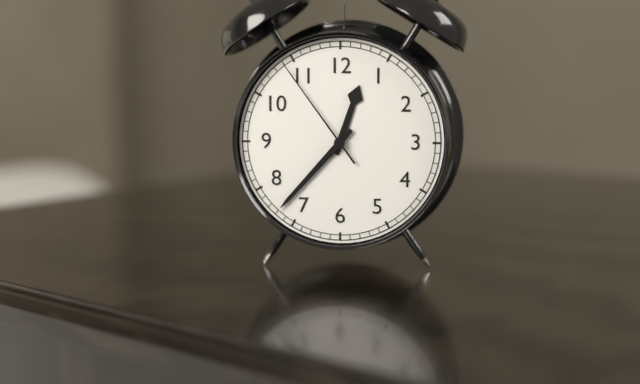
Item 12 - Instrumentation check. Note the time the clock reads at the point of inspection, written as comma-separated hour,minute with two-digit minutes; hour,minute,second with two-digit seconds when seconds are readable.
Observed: 12,37,54
